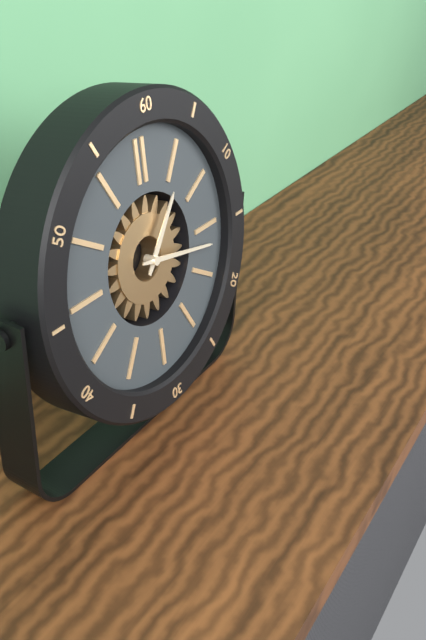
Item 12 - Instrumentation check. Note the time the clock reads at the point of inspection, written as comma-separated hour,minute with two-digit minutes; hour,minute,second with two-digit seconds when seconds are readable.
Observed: 1,17
